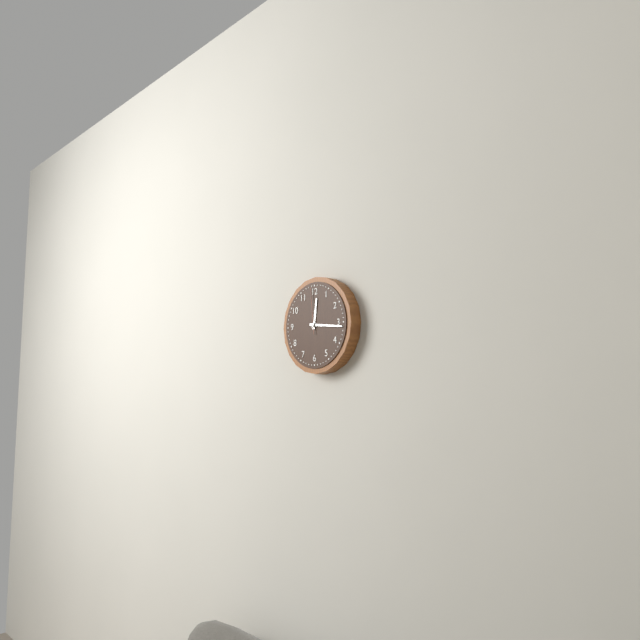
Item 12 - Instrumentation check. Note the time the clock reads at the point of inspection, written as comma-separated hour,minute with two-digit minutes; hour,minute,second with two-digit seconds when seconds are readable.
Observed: 12,16
